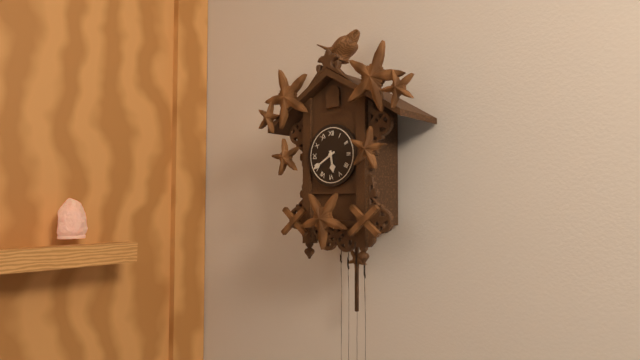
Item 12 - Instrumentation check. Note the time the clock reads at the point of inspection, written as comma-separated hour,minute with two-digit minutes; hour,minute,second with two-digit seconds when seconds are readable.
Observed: 5,40
